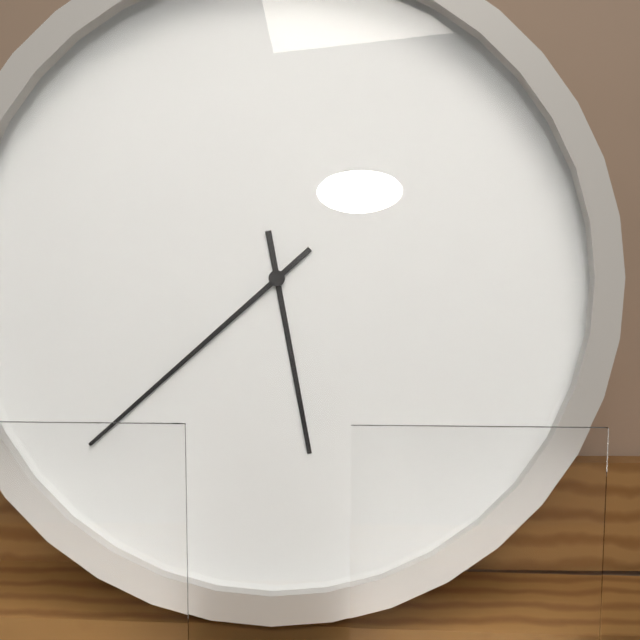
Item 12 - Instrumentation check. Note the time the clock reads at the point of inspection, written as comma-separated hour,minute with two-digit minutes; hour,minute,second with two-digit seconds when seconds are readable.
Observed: 5,38
